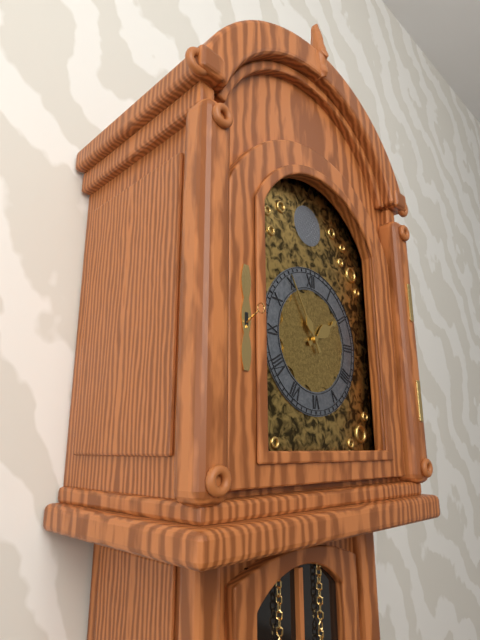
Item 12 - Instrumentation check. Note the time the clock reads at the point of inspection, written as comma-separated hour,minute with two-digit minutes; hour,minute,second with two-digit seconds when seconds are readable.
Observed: 1,55
